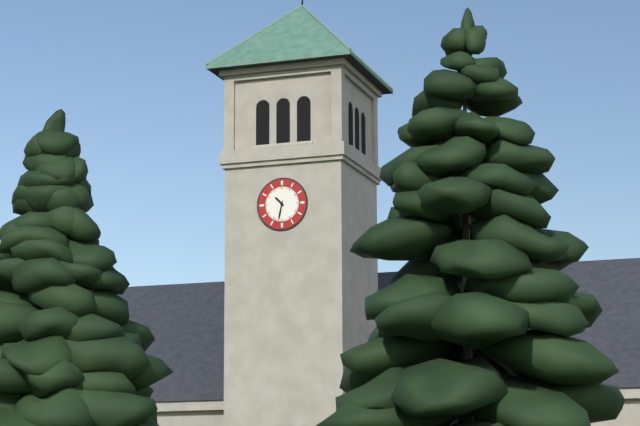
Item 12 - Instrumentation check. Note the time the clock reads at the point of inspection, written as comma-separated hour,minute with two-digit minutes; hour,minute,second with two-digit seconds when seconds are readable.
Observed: 10,32
